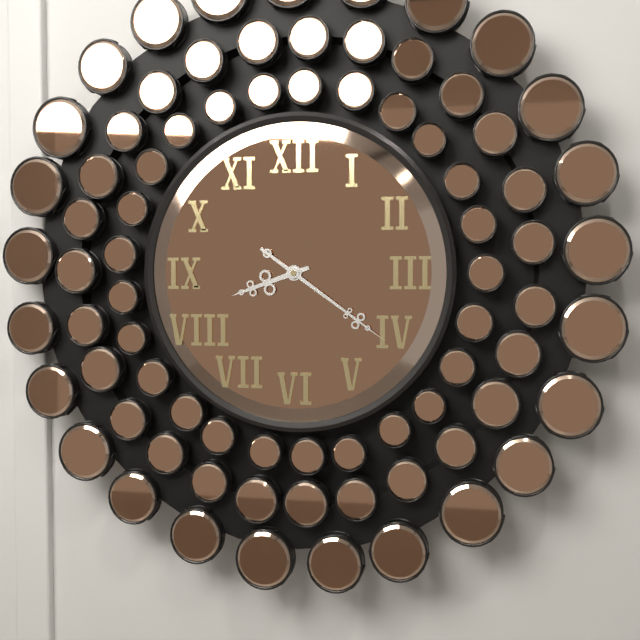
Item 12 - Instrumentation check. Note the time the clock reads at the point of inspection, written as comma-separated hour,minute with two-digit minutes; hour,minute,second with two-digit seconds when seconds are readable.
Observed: 8,21
